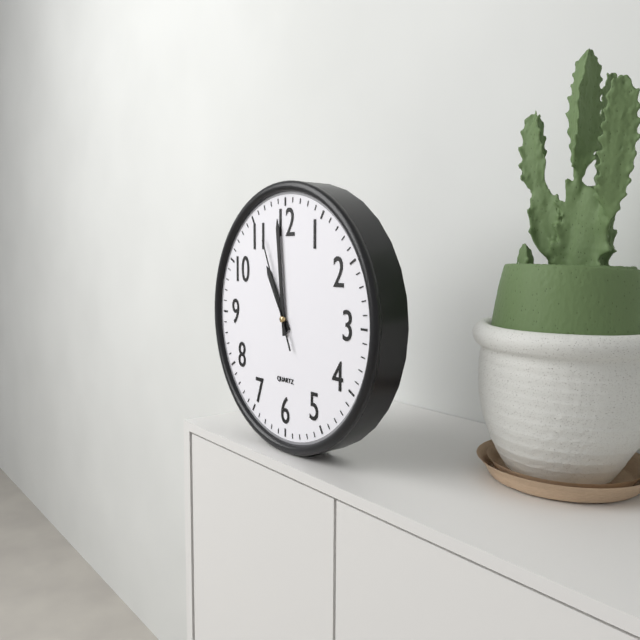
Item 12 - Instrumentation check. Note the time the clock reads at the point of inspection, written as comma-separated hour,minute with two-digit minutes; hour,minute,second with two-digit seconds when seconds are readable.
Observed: 10,59,56
